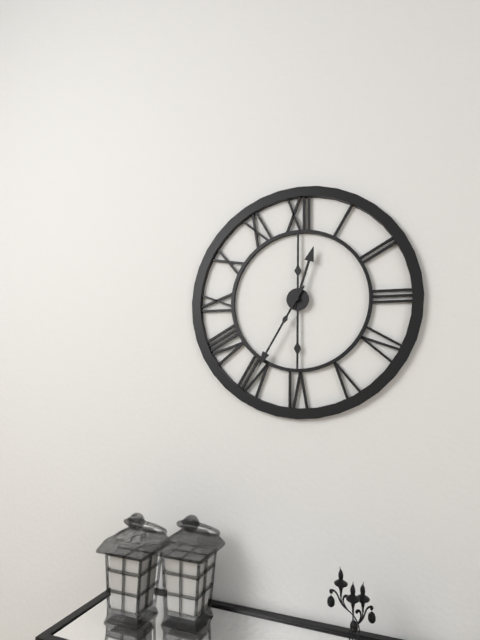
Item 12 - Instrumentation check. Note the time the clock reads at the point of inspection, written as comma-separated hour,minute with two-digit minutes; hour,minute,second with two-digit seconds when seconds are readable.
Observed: 12,35
